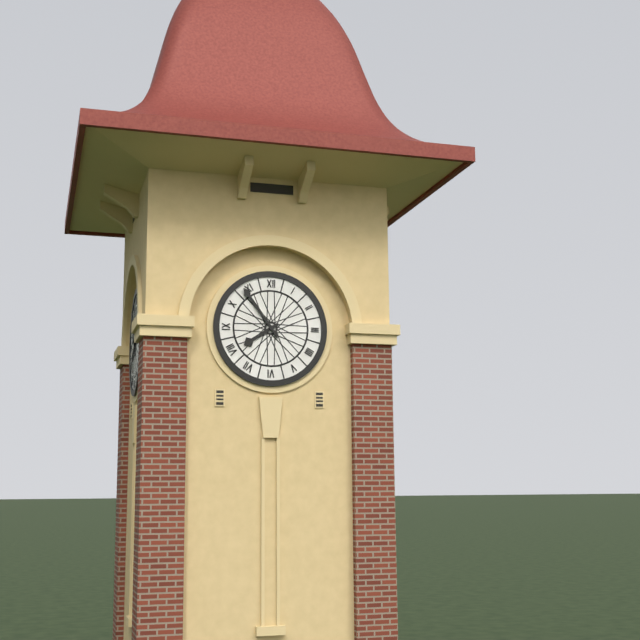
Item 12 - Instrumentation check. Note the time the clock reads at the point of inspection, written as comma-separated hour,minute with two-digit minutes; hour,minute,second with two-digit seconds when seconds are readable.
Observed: 7,54
